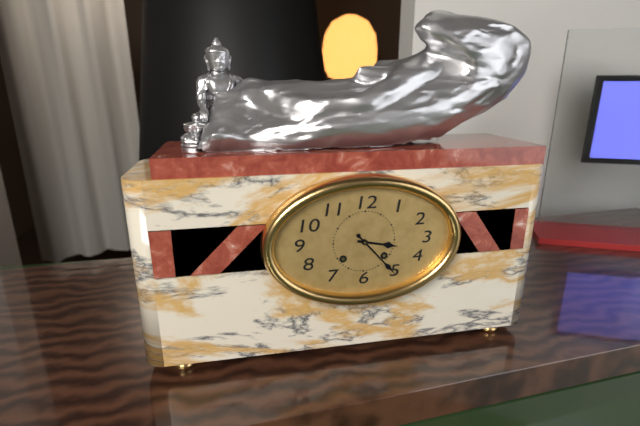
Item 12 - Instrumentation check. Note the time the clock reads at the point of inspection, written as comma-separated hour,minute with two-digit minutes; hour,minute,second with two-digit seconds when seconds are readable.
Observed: 3,23
